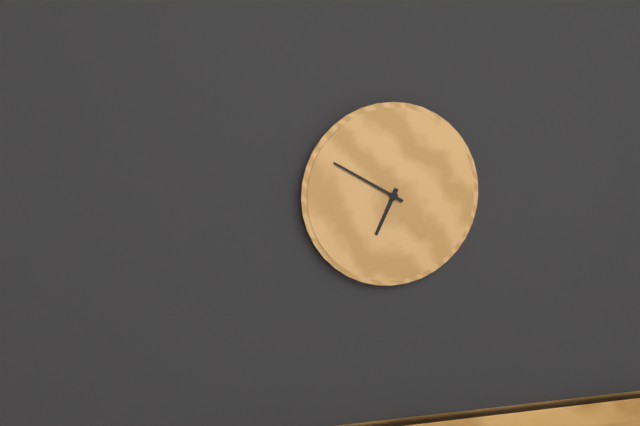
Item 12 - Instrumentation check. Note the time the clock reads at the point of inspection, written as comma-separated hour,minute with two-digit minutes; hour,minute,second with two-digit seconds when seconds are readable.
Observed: 6,50
